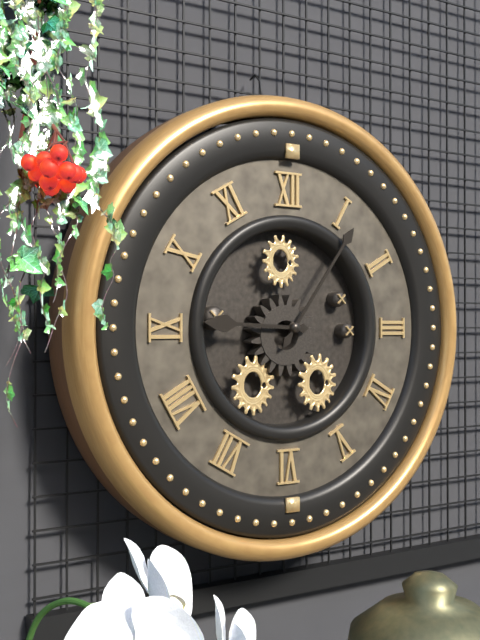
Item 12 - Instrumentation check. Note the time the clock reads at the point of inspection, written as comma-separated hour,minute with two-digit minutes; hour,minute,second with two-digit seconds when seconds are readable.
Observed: 9,06
